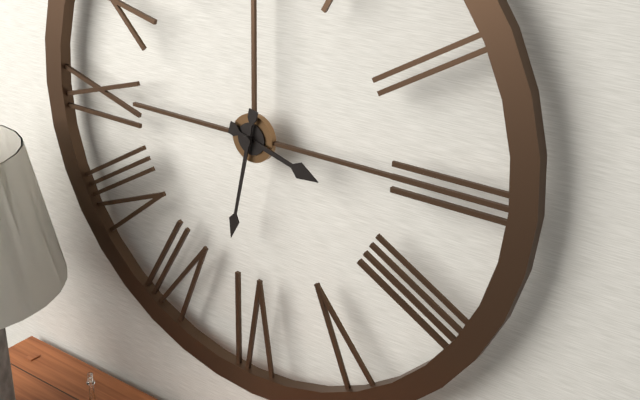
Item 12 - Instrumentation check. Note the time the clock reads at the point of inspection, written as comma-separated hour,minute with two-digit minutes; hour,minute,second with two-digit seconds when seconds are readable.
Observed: 3,32
